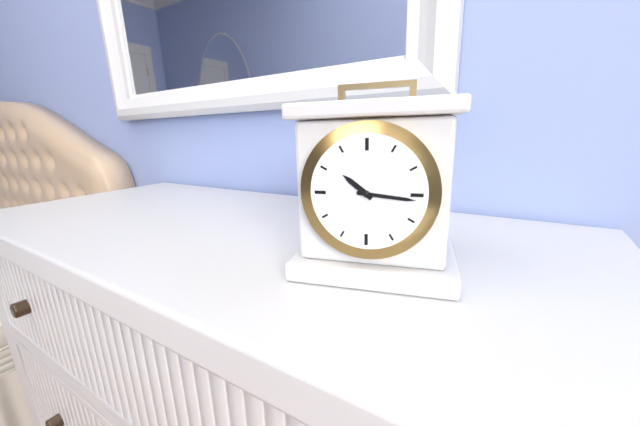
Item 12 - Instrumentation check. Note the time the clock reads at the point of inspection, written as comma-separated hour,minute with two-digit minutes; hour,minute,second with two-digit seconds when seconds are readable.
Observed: 10,16
